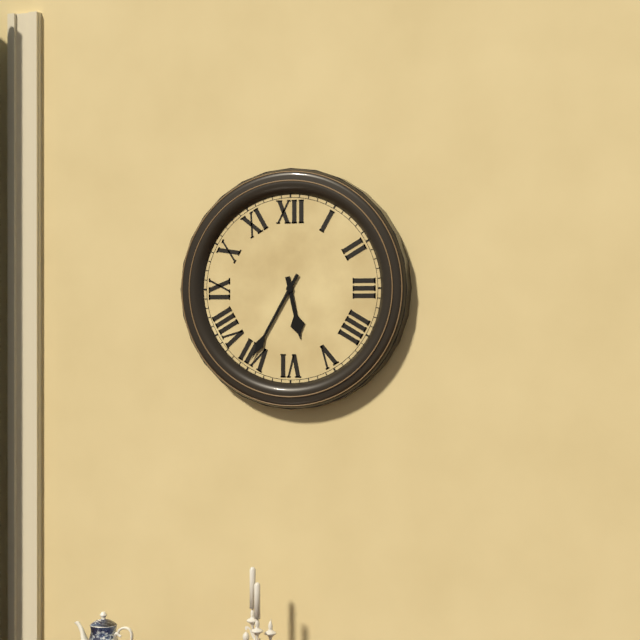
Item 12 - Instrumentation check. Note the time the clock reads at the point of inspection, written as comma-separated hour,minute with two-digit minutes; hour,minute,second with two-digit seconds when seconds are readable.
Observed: 5,35
